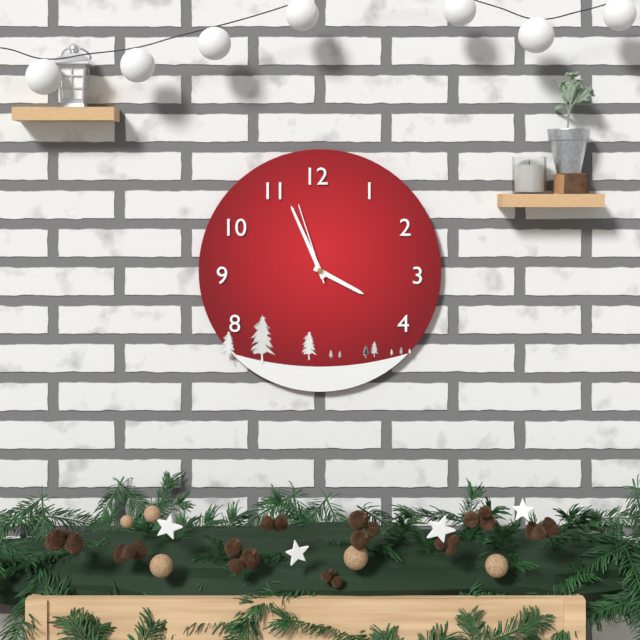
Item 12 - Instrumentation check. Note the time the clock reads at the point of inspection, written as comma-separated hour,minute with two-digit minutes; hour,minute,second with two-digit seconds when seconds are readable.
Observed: 3,56,57
